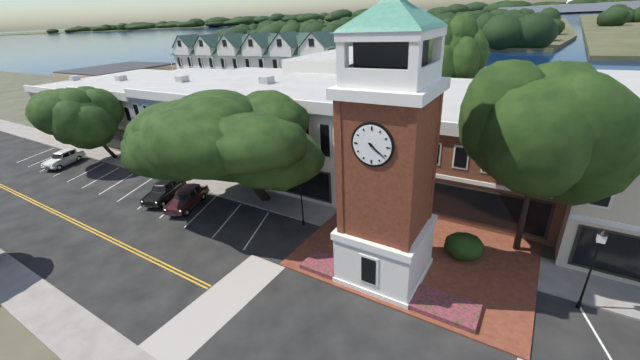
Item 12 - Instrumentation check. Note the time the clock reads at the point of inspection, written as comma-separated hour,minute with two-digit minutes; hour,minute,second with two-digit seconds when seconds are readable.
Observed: 4,21
